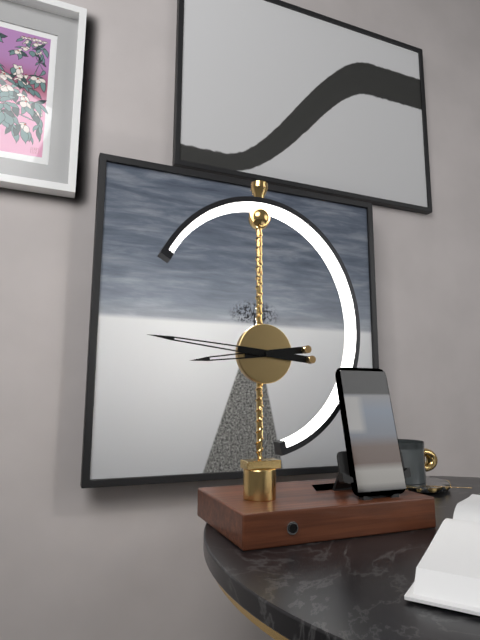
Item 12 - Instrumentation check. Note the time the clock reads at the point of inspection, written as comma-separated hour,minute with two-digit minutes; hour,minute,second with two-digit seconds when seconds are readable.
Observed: 8,46
